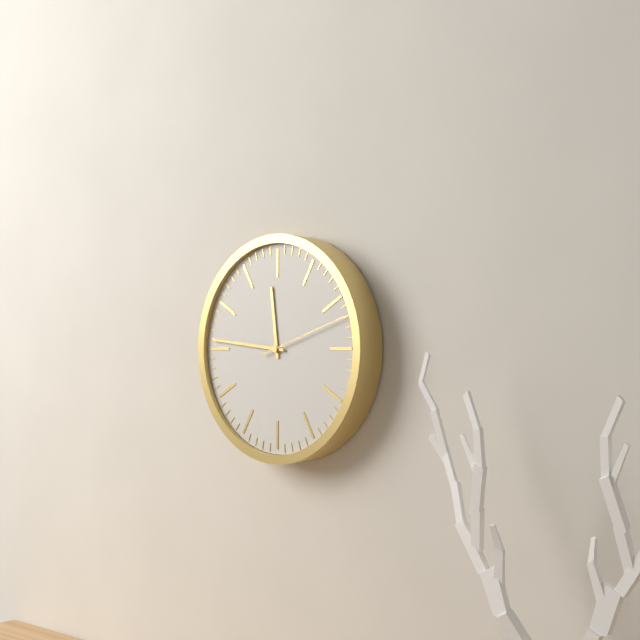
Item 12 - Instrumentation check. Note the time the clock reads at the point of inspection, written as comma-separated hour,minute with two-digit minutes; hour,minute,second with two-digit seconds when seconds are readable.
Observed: 11,46,12
